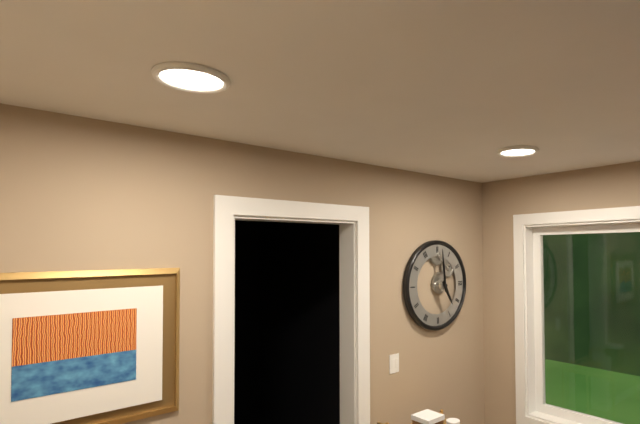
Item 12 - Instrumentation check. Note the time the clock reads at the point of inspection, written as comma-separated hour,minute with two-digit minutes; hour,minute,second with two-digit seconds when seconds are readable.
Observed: 4,59
